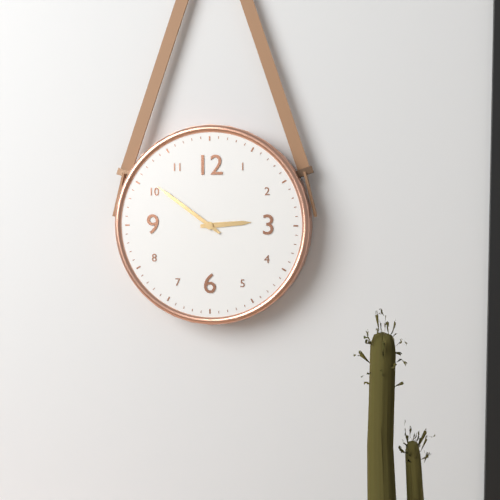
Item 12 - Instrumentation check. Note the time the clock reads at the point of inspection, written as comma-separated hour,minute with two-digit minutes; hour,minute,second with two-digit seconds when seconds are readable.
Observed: 2,51
